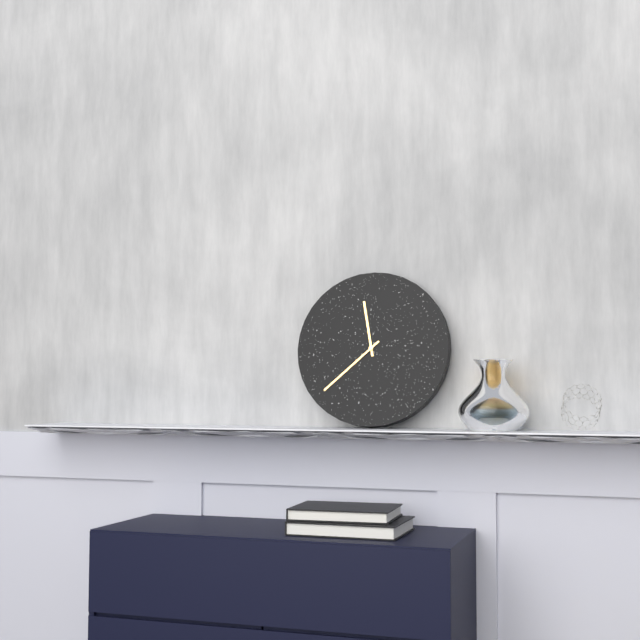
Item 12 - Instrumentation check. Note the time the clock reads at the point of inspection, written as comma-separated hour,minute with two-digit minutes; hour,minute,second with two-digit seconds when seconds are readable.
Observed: 11,38
